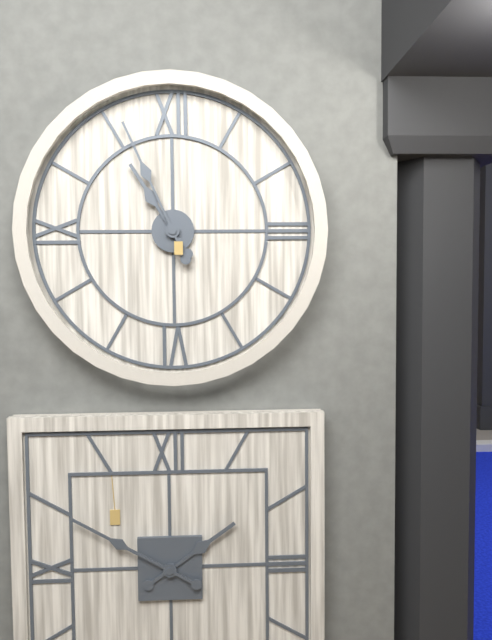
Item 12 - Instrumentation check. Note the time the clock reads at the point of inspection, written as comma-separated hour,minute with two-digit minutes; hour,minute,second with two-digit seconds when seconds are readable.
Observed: 10,56
